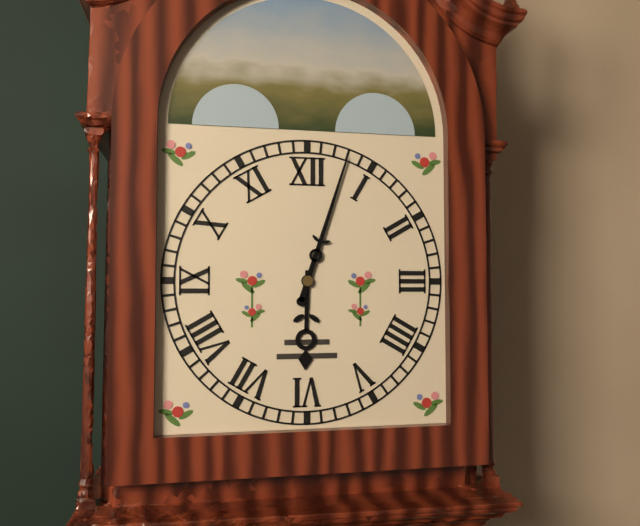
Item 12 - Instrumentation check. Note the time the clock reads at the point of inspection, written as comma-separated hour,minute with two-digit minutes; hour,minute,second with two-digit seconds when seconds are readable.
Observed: 6,03
